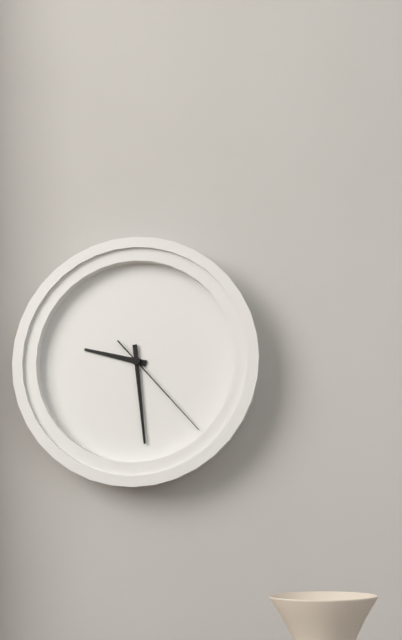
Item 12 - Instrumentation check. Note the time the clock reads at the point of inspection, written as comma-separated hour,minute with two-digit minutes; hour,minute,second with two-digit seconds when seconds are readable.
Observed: 9,29,23
